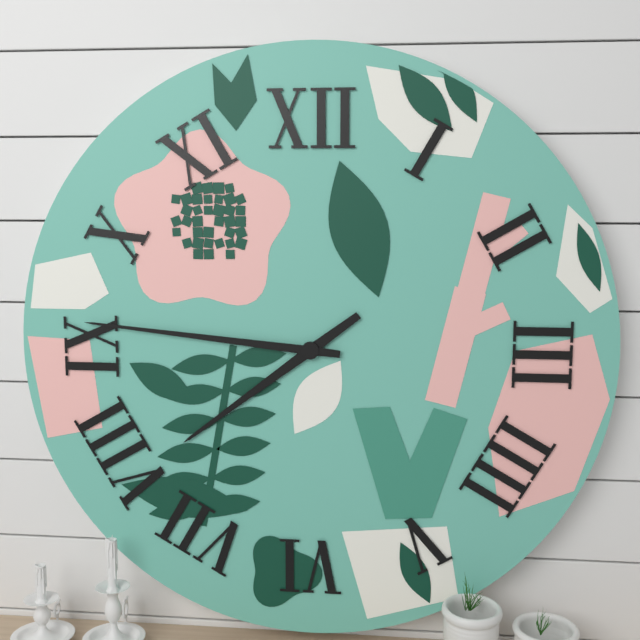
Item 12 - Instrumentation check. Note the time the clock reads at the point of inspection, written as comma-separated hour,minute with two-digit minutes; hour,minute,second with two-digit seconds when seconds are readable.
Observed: 7,46
